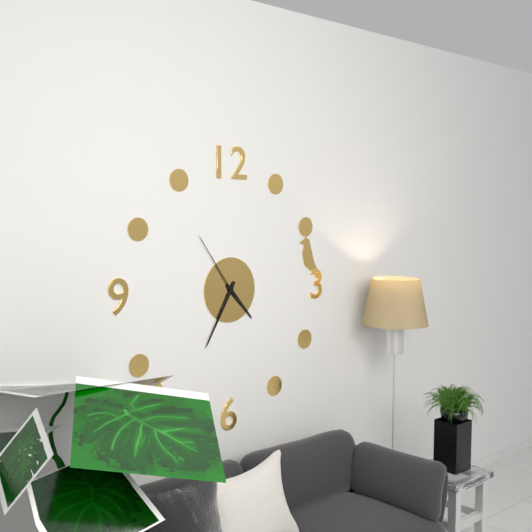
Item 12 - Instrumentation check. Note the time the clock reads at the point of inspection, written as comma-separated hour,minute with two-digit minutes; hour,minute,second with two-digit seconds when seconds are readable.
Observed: 4,35,54
